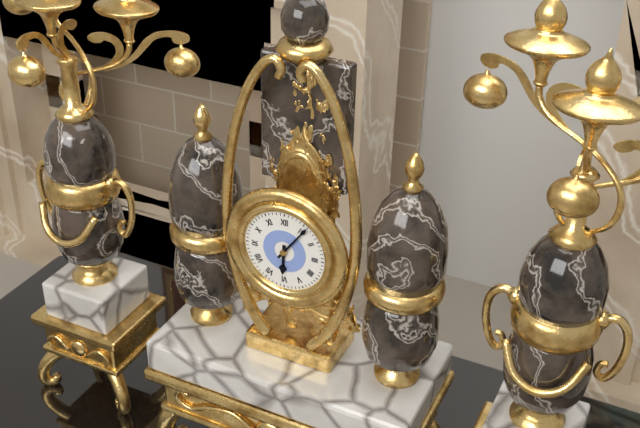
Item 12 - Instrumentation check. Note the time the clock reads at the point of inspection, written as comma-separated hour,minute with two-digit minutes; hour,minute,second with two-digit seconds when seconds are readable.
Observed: 6,06
